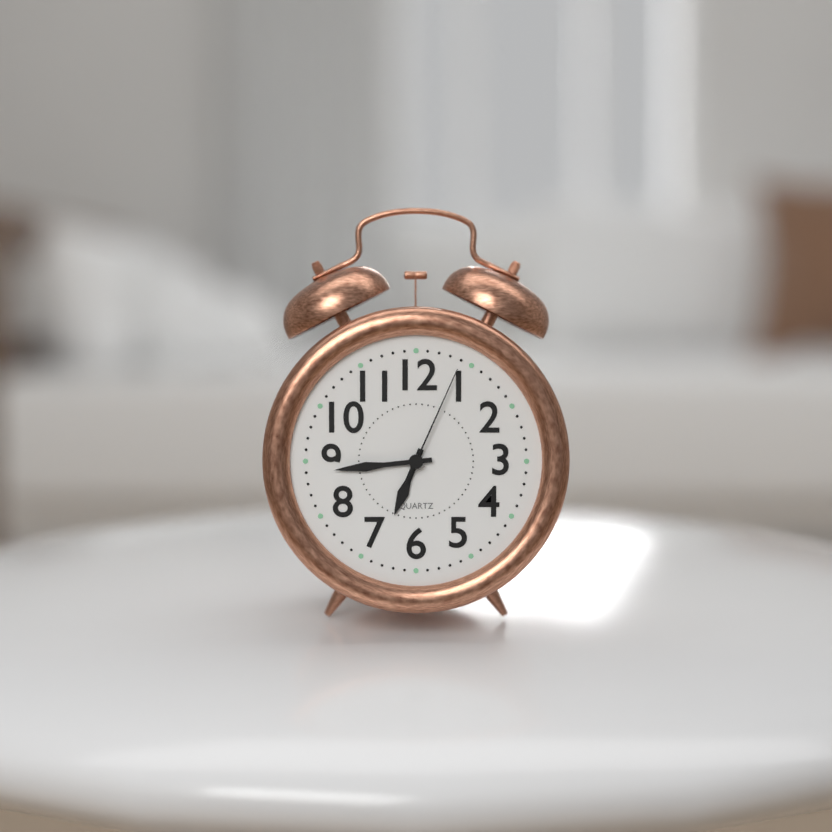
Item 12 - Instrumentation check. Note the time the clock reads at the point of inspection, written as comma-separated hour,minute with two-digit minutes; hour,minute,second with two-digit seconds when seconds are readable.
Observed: 6,44,04
